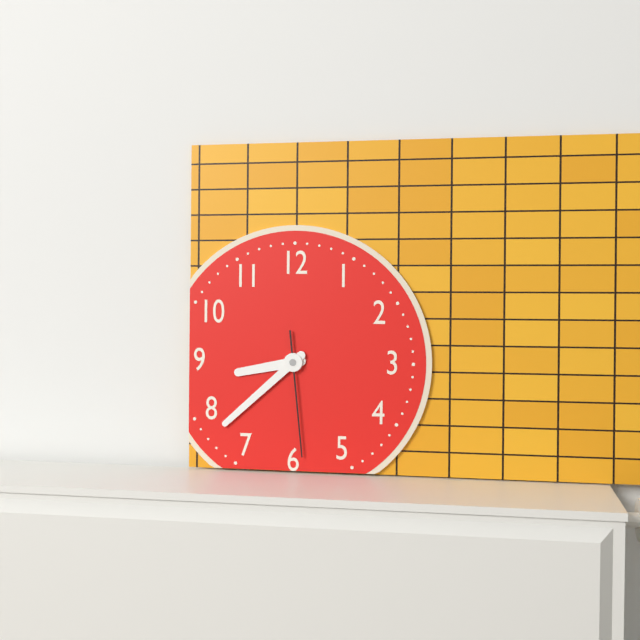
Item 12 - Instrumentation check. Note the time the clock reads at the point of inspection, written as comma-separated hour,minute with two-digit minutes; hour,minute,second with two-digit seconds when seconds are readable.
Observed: 8,38,29
